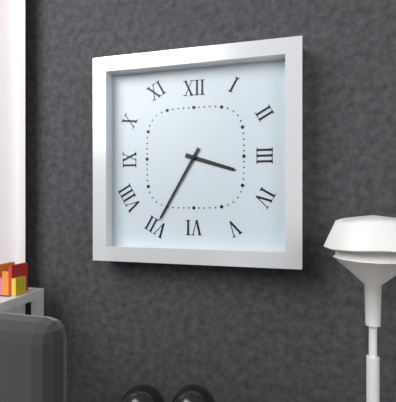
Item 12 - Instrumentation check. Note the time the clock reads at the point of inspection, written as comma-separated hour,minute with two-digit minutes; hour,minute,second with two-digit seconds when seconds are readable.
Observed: 3,35
